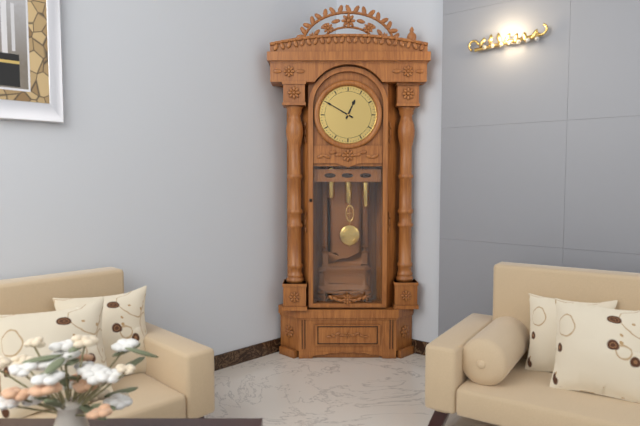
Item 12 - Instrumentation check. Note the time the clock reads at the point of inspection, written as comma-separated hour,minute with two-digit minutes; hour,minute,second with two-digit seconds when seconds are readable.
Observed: 12,50
